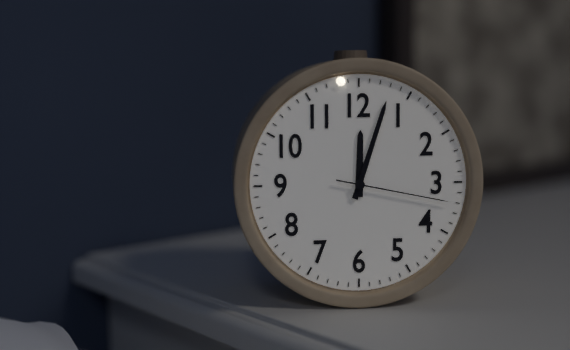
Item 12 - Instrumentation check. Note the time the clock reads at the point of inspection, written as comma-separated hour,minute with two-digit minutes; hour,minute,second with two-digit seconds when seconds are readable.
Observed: 12,03,17
